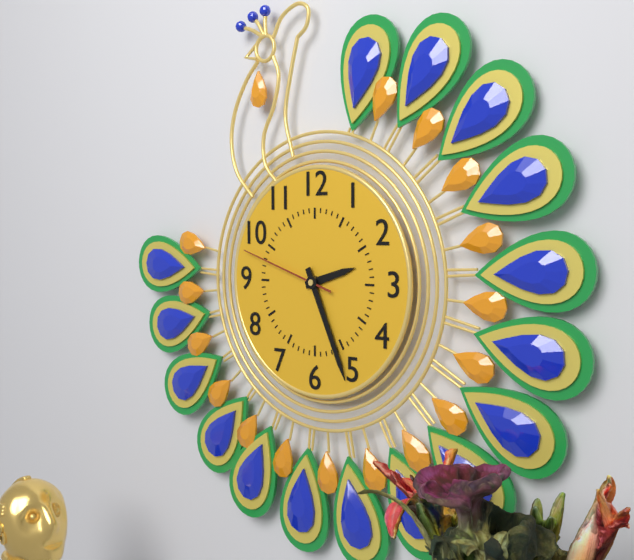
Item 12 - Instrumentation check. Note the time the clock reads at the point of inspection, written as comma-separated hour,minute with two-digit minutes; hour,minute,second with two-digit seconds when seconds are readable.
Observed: 2,26,48
